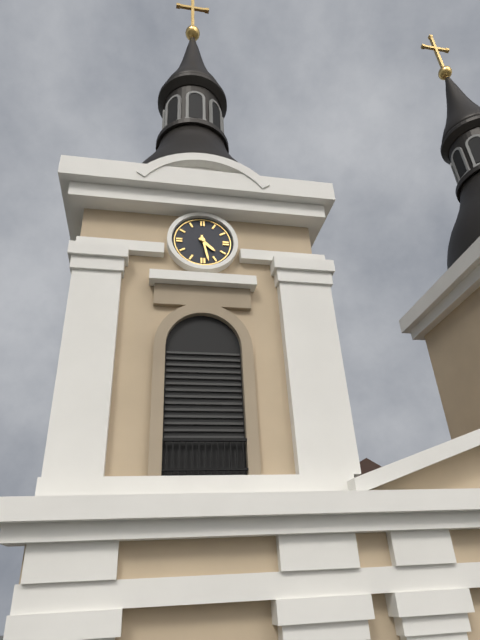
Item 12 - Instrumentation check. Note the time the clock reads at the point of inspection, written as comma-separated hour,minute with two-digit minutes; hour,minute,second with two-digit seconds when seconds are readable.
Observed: 4,28
